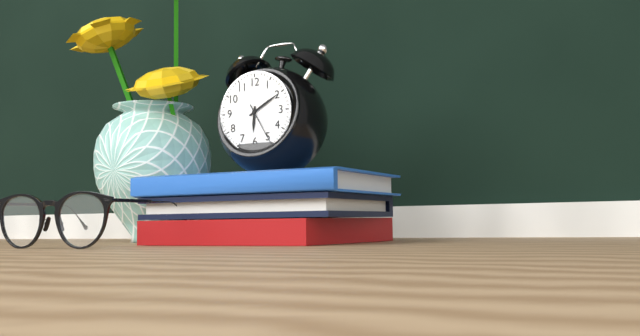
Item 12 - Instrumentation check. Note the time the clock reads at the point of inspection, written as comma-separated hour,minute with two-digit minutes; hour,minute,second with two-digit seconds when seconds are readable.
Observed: 6,10
